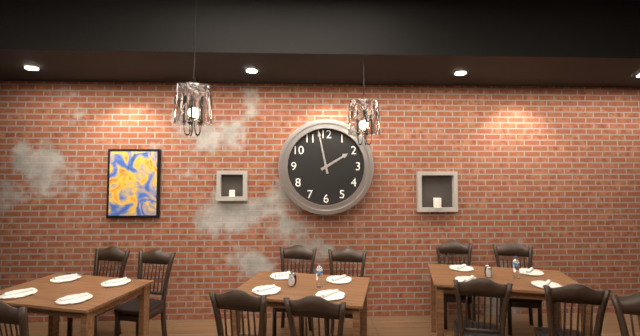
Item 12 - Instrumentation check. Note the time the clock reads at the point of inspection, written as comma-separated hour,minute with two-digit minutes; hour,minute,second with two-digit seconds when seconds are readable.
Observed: 1,58
